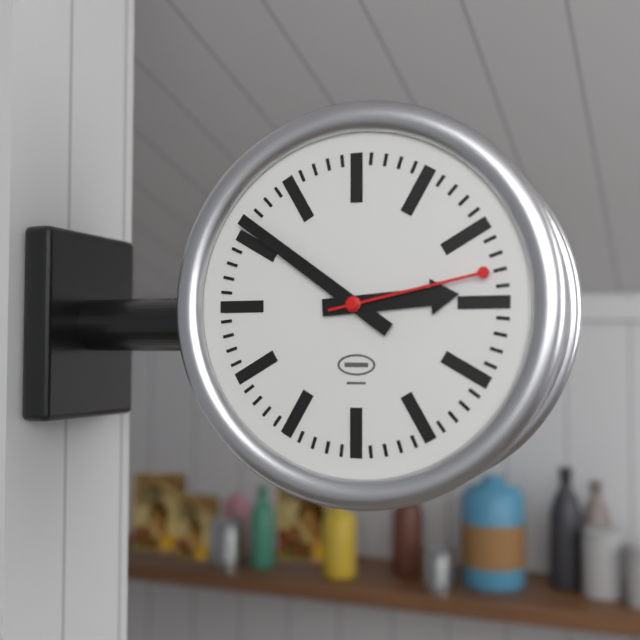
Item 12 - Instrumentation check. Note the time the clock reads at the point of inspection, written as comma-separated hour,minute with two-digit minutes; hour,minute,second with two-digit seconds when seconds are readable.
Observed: 2,51,13
